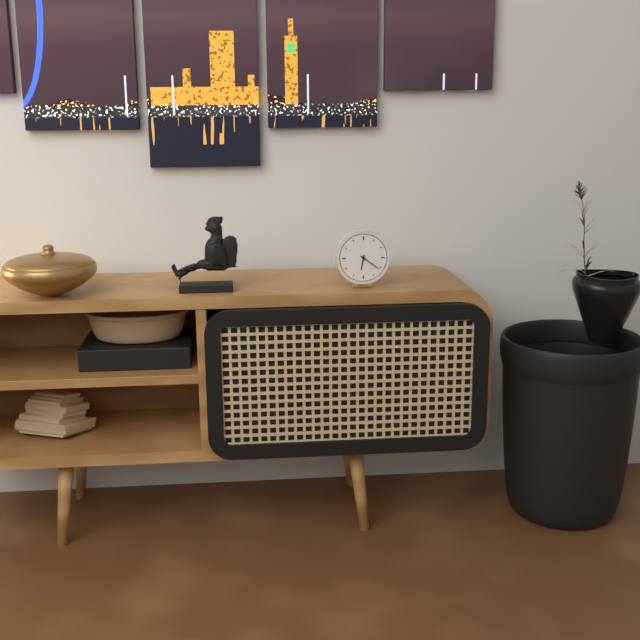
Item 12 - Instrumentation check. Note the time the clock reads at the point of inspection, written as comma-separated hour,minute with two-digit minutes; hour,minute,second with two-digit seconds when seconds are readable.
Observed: 6,21
